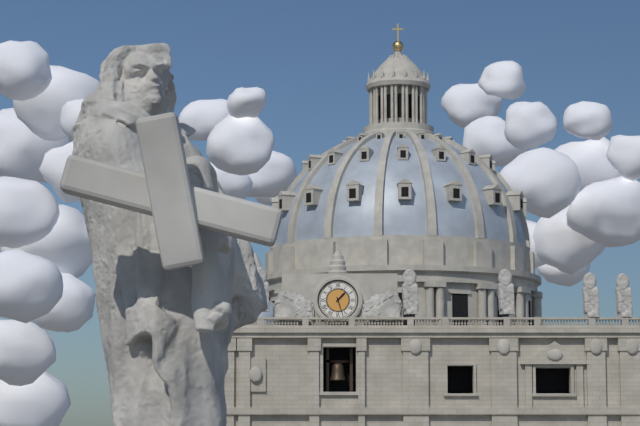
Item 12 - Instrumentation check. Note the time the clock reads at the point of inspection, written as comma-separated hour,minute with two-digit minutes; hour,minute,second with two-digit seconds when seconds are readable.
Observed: 1,27
